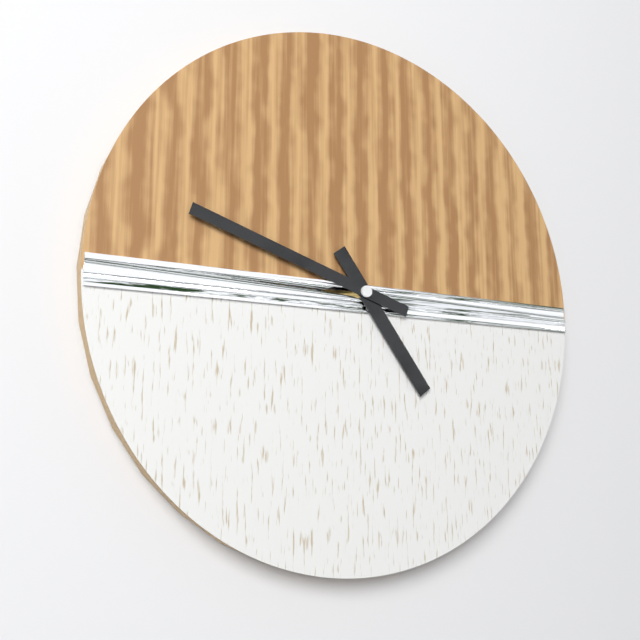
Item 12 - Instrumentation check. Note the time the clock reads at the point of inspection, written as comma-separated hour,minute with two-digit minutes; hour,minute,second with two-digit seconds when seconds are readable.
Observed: 4,48
